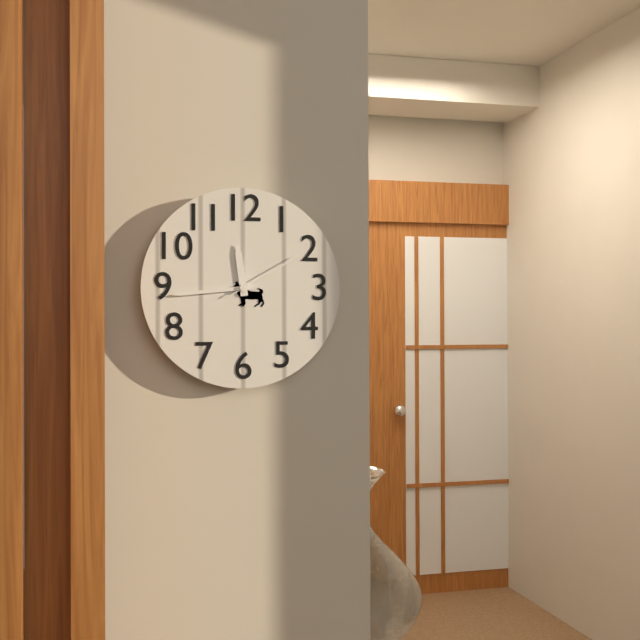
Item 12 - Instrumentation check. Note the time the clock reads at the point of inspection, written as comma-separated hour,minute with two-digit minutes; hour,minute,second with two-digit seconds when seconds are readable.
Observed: 11,44,10
